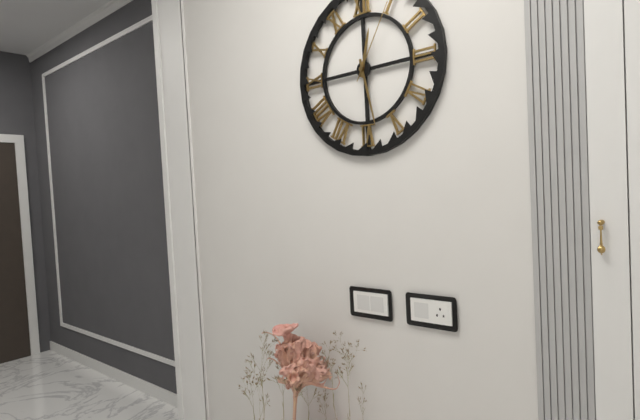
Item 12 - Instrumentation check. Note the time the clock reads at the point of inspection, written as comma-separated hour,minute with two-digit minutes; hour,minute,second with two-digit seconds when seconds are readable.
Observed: 12,28,05
